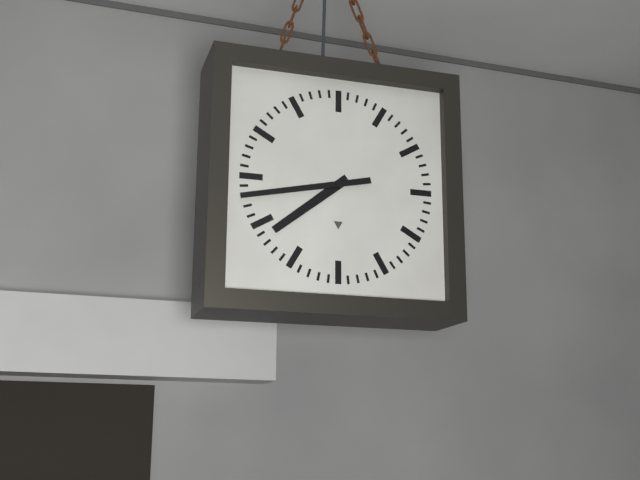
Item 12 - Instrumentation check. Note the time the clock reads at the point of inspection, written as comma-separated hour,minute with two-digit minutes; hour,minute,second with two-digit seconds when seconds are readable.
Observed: 7,43
